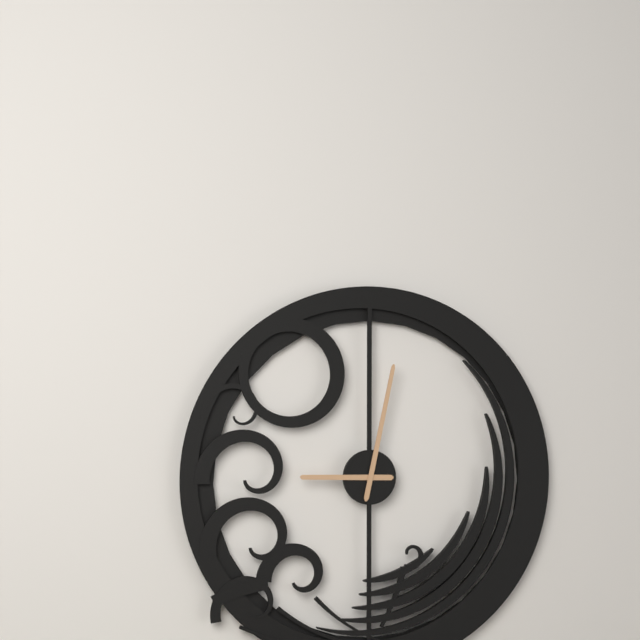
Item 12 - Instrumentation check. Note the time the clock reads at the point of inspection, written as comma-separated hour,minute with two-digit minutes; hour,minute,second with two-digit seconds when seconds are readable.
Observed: 9,02
